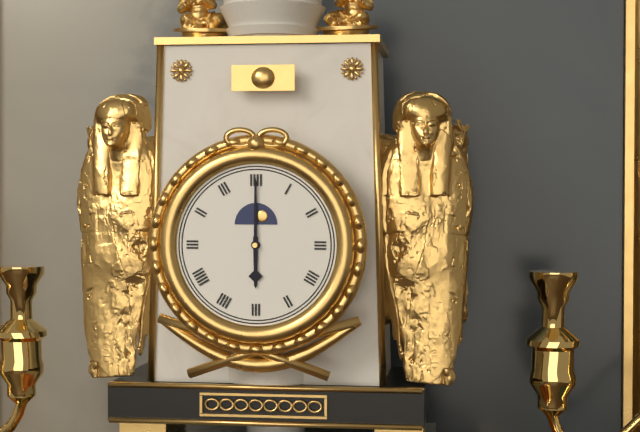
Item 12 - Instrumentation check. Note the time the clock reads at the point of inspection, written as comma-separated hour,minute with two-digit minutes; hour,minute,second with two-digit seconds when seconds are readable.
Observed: 6,00
